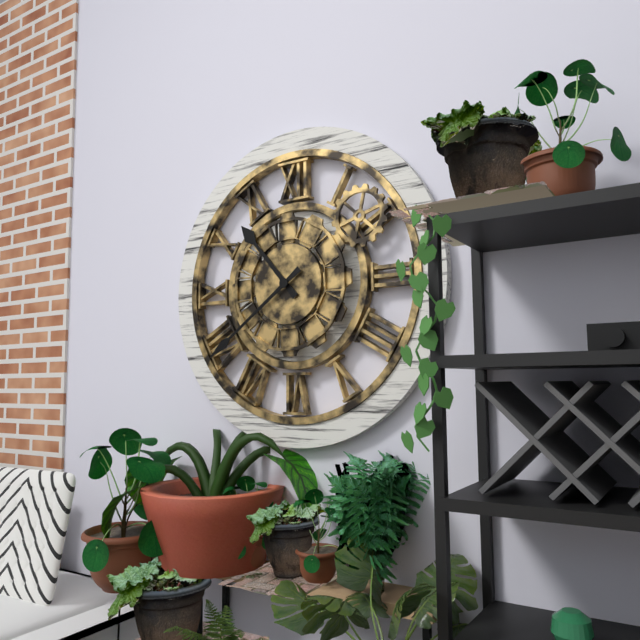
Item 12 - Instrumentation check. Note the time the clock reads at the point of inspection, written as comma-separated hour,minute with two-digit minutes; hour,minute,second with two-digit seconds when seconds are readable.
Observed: 10,39
